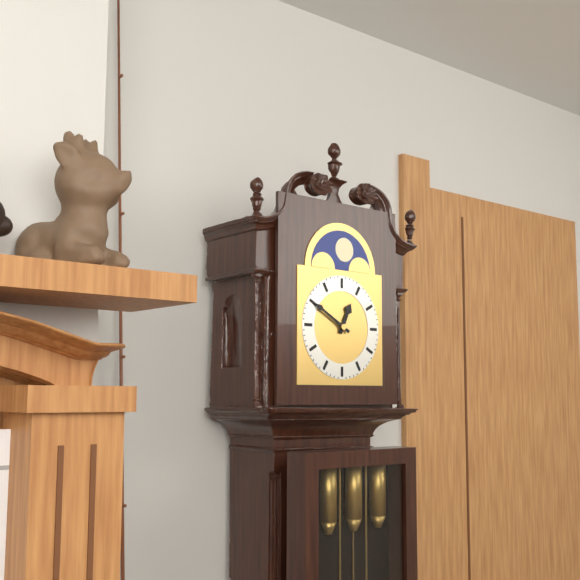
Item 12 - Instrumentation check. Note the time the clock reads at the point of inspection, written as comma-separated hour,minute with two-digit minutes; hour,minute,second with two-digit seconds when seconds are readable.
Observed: 12,50
